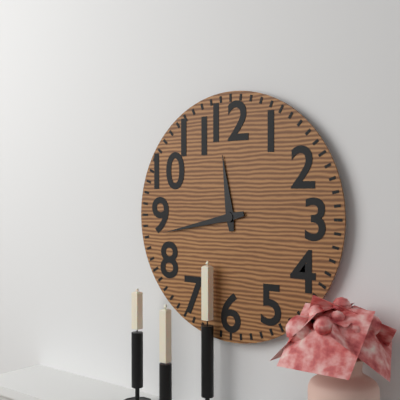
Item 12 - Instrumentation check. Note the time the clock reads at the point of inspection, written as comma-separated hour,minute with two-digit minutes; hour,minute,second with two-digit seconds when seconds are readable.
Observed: 11,43
